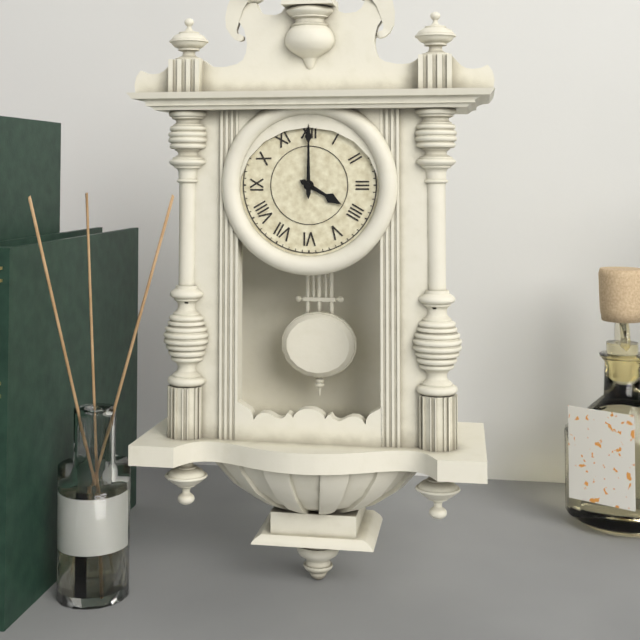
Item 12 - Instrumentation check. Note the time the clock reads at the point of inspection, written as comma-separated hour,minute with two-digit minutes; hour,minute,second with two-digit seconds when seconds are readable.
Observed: 4,00
